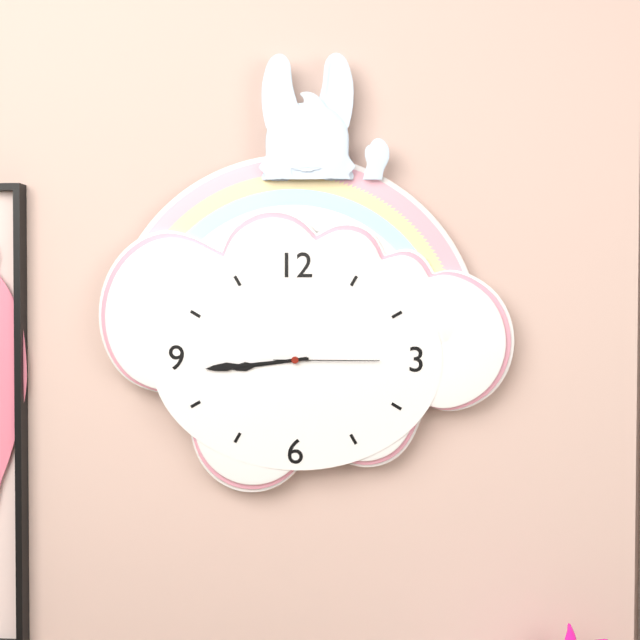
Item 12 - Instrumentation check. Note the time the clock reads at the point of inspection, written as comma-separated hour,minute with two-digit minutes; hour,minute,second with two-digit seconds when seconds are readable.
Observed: 8,44,15
